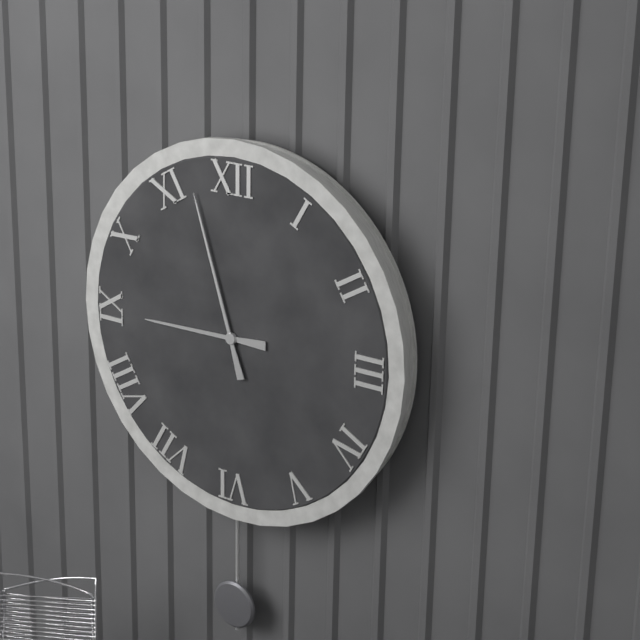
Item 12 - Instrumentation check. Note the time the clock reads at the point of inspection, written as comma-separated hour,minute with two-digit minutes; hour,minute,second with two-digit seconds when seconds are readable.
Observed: 8,57
